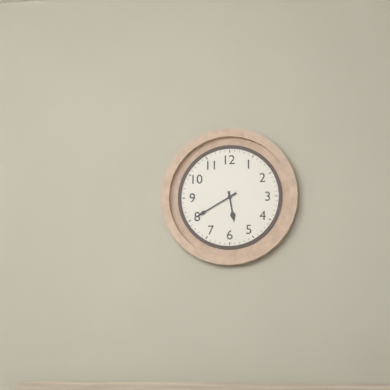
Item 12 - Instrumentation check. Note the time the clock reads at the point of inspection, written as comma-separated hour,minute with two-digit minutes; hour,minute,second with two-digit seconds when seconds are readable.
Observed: 5,40
